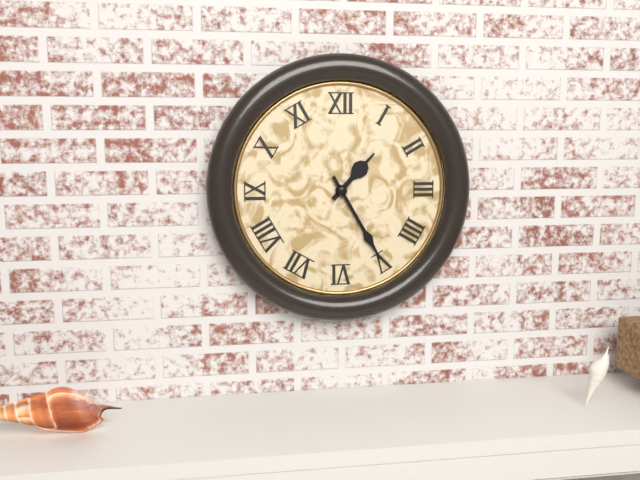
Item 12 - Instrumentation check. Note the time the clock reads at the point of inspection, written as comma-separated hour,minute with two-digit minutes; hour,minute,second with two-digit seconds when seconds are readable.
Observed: 1,25
